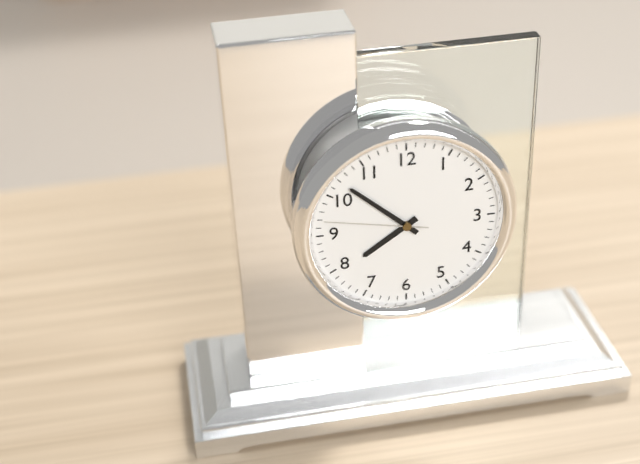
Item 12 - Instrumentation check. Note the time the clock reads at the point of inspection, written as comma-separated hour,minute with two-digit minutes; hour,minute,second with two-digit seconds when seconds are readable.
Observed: 7,52,47
